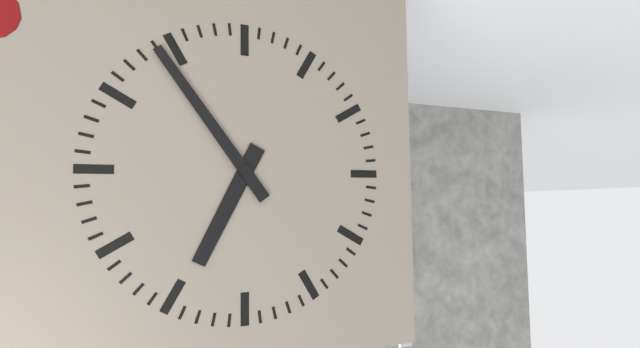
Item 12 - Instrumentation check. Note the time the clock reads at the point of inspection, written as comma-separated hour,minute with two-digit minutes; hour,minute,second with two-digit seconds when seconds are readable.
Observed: 6,54
